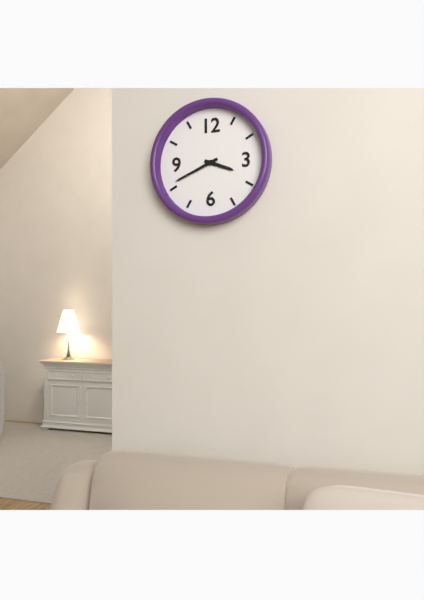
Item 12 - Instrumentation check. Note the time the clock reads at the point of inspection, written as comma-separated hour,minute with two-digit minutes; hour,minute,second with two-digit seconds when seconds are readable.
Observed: 3,41
